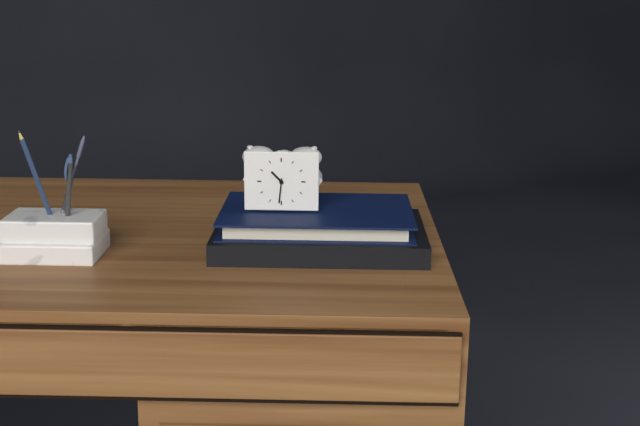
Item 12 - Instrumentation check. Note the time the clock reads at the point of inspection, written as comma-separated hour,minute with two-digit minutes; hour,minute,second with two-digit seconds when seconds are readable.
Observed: 10,31
